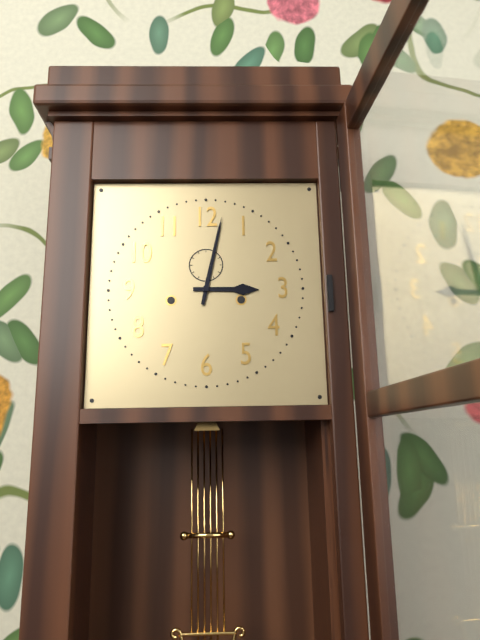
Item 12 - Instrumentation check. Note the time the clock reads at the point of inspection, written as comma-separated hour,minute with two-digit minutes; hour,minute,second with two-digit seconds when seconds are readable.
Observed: 3,02
